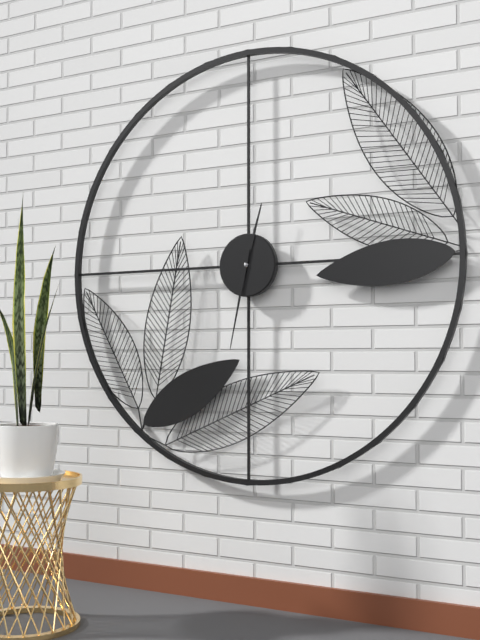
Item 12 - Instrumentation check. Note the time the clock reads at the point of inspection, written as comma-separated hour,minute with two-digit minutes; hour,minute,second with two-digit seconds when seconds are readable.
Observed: 12,32
